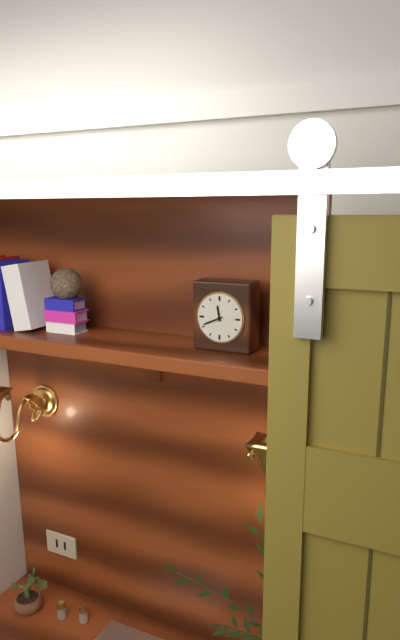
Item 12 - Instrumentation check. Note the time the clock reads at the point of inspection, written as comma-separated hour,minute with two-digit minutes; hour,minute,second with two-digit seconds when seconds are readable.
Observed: 11,41
